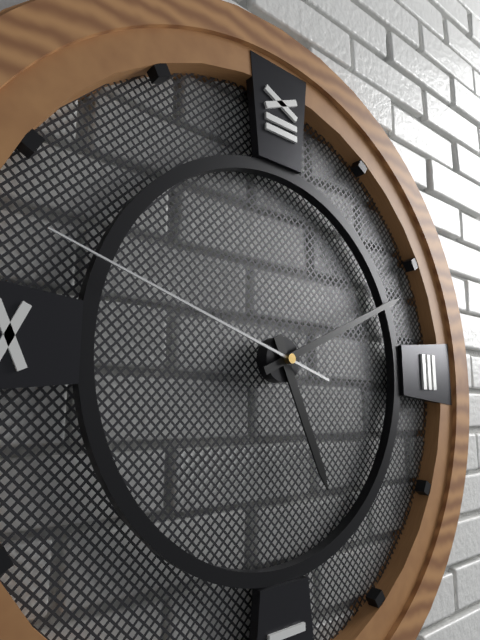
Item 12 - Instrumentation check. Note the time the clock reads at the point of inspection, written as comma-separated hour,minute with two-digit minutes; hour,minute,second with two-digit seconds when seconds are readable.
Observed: 5,11,48
